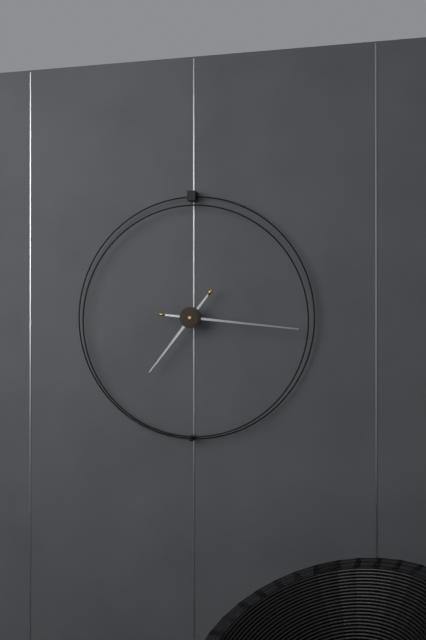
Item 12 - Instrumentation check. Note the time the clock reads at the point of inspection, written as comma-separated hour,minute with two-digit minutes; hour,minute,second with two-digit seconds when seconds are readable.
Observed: 7,16
